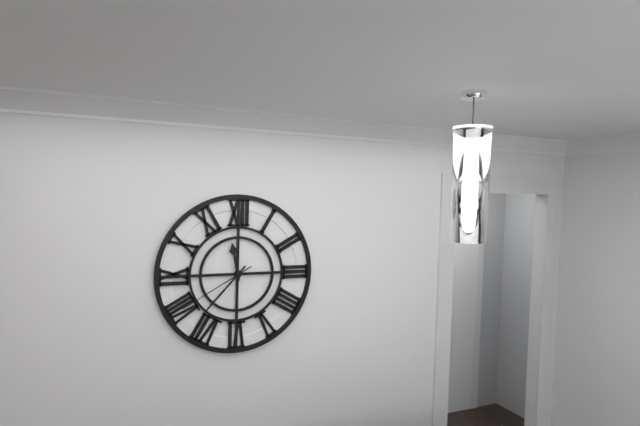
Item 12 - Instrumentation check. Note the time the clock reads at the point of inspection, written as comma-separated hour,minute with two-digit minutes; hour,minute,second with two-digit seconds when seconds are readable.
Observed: 11,37,40
